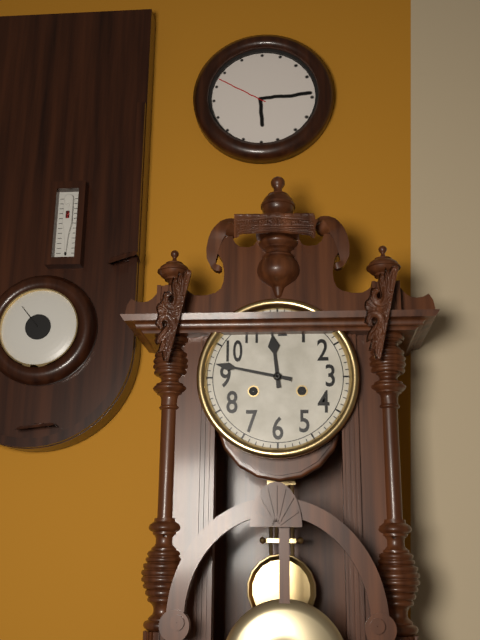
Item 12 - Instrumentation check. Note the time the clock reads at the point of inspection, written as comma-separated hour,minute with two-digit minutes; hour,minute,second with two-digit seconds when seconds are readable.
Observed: 11,47
